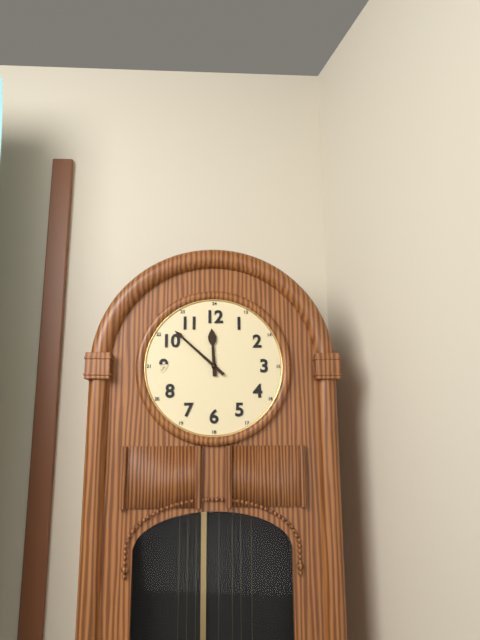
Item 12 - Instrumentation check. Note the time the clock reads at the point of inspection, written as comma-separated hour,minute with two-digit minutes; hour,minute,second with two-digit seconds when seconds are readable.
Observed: 11,52
